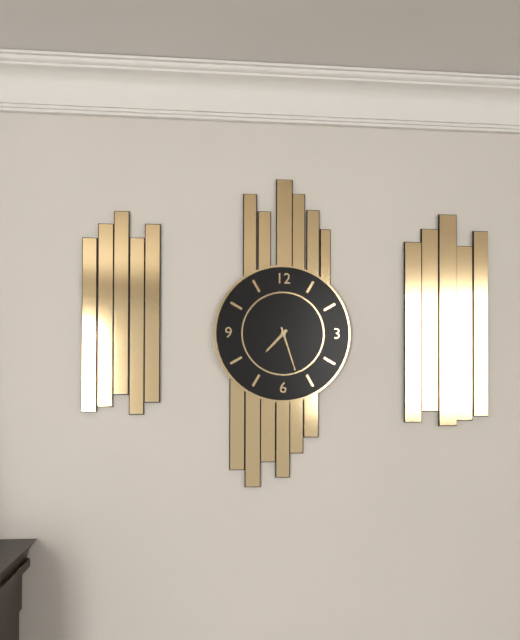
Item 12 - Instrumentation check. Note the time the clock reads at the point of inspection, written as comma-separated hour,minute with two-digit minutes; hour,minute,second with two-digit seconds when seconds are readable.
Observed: 7,27
